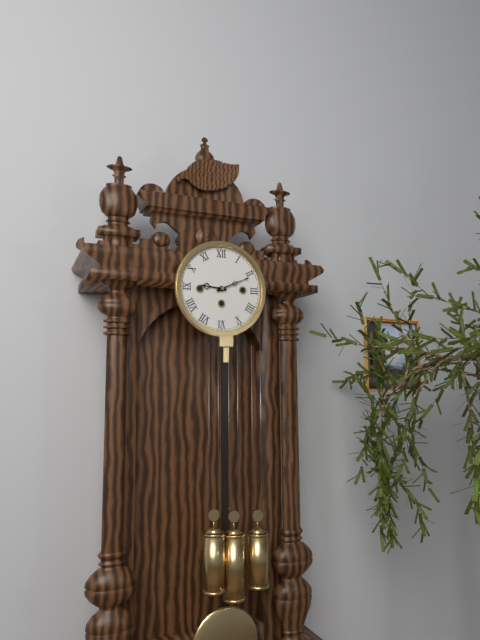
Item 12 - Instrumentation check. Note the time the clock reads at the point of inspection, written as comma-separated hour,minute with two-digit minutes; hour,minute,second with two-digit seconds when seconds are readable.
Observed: 9,11
